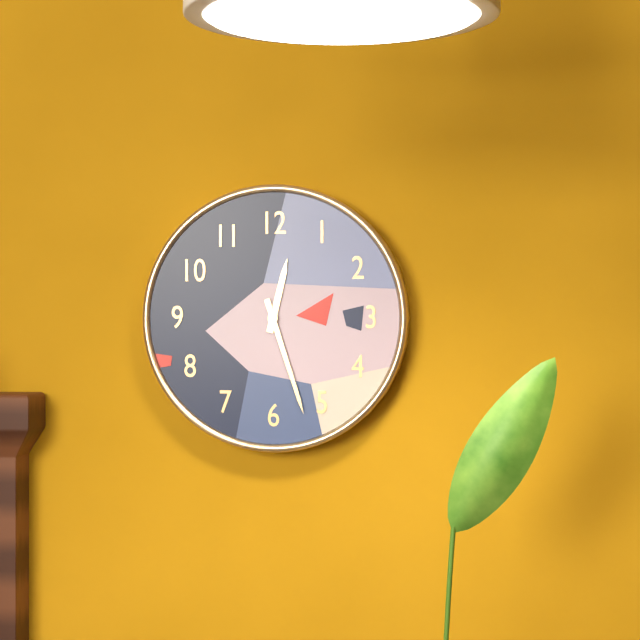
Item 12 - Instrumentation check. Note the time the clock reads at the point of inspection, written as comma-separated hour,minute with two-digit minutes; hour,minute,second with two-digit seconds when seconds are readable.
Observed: 12,27
